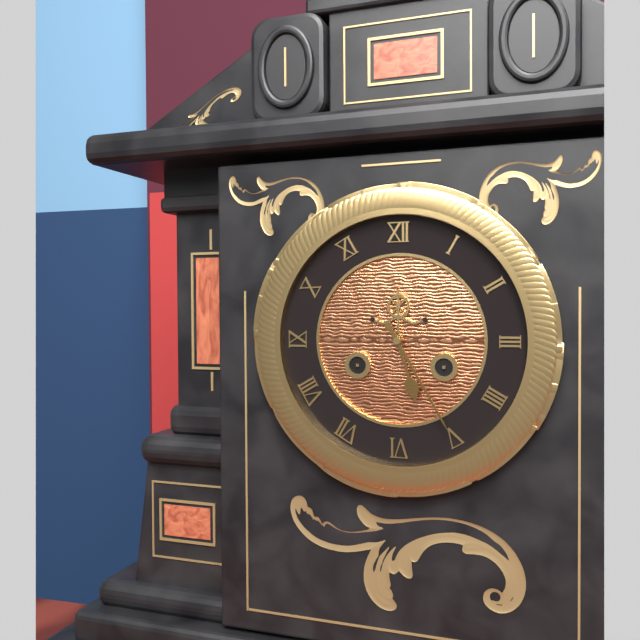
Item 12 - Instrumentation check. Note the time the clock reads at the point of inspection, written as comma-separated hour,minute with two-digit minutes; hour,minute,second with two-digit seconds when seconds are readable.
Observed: 5,25
